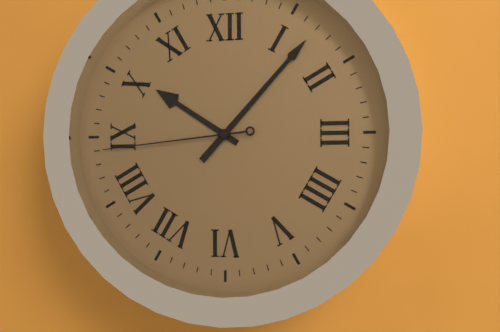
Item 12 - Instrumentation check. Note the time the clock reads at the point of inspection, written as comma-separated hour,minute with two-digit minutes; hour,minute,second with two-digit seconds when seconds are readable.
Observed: 10,07,44
